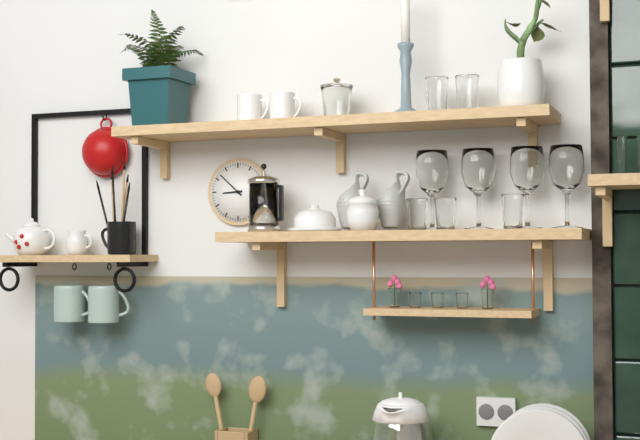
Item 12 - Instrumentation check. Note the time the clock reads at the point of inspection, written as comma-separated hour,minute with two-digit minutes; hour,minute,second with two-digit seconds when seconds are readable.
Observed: 8,52
